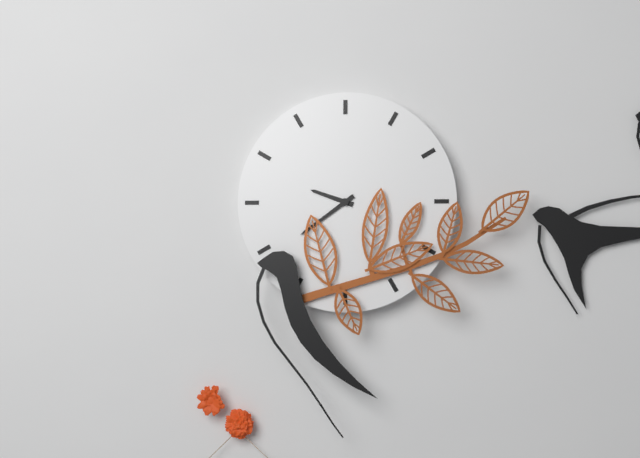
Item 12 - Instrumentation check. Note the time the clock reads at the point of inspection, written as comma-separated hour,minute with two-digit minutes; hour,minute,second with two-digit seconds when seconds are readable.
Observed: 9,39
